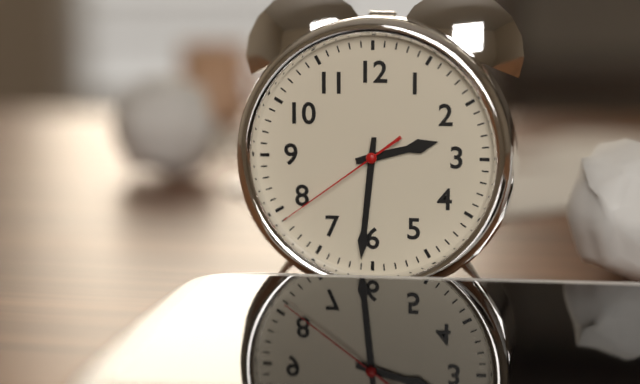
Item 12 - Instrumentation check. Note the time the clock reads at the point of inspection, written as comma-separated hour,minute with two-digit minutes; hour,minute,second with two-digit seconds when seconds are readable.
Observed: 2,31,39
